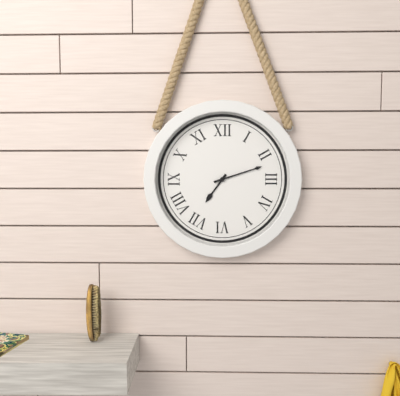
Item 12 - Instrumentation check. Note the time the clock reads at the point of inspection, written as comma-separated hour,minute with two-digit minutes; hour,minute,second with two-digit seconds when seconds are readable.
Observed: 7,12
